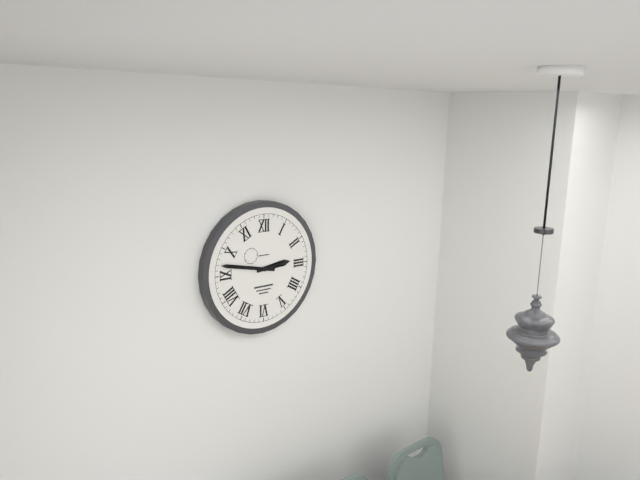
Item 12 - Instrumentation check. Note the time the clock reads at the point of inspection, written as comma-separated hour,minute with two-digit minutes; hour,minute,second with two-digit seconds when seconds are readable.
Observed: 2,47
